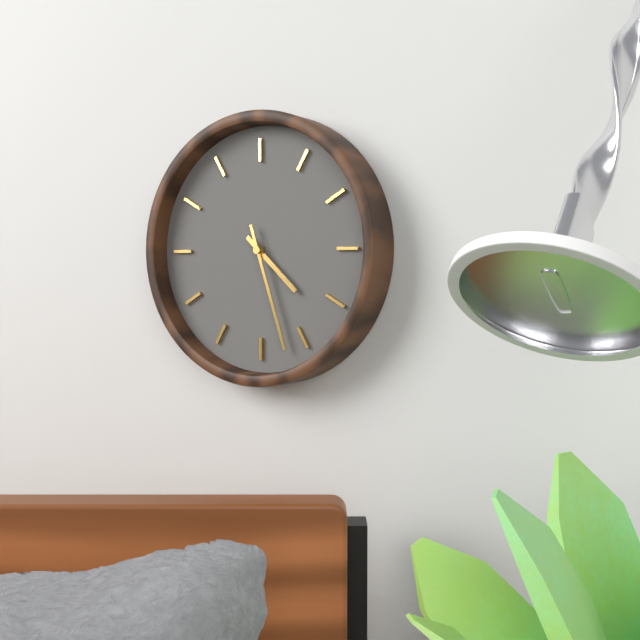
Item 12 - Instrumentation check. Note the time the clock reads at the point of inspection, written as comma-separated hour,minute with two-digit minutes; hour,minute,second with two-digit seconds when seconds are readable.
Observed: 4,27
